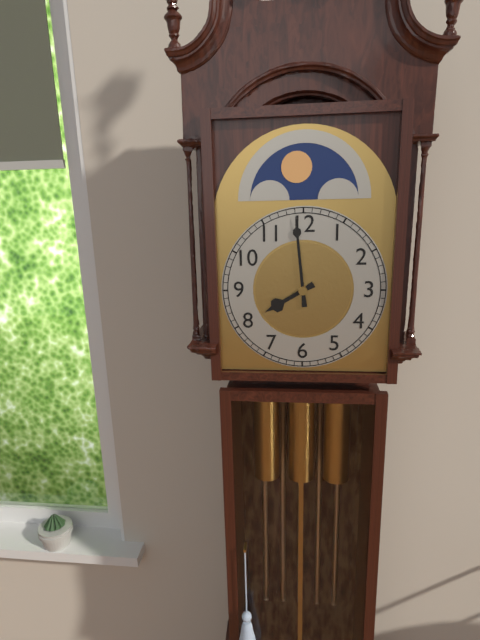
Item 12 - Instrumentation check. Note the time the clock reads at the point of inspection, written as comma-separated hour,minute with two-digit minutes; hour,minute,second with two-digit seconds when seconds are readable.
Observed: 7,59
